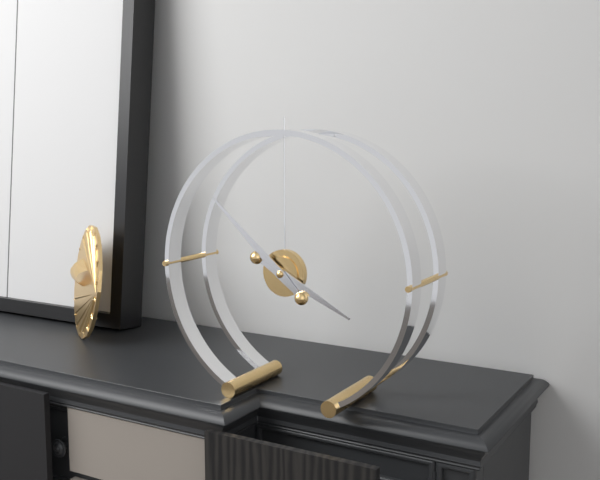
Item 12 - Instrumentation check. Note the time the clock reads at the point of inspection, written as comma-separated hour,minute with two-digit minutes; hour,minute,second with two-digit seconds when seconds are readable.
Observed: 3,52
